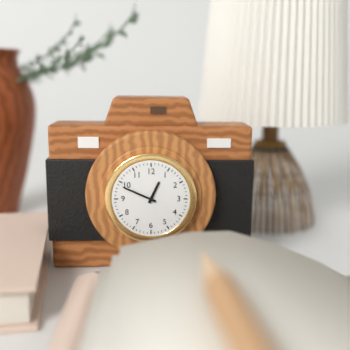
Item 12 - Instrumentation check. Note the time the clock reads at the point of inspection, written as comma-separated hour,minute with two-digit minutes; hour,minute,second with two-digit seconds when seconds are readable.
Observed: 12,49
